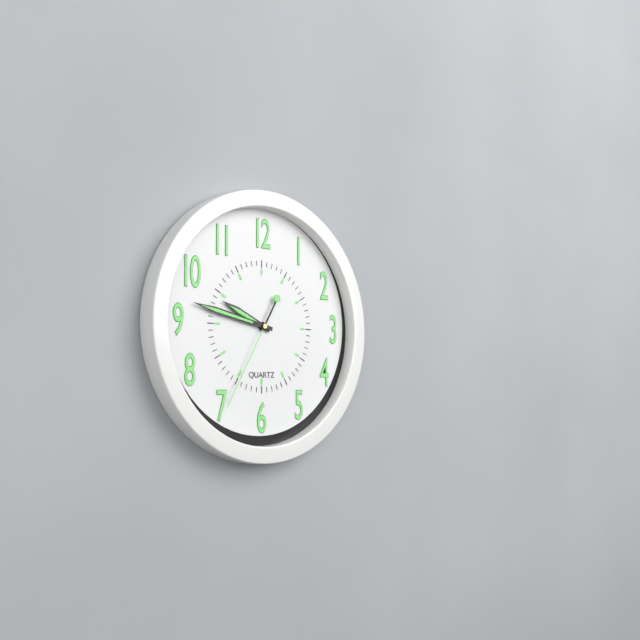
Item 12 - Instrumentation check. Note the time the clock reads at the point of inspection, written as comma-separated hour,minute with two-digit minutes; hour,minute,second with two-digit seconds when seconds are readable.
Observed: 9,47,35
